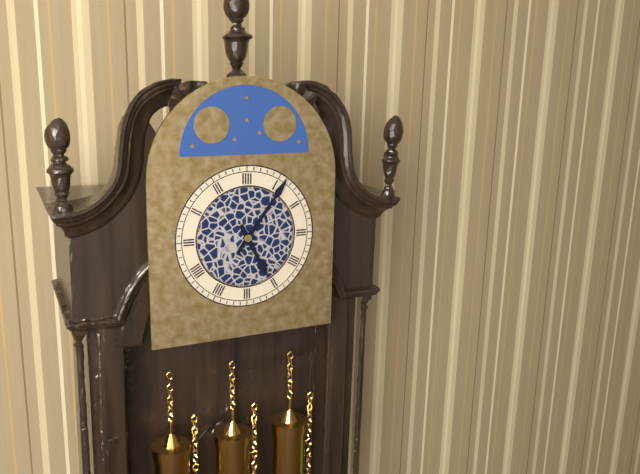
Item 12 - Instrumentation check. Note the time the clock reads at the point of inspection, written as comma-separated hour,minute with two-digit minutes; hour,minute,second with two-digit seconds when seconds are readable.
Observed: 5,06
